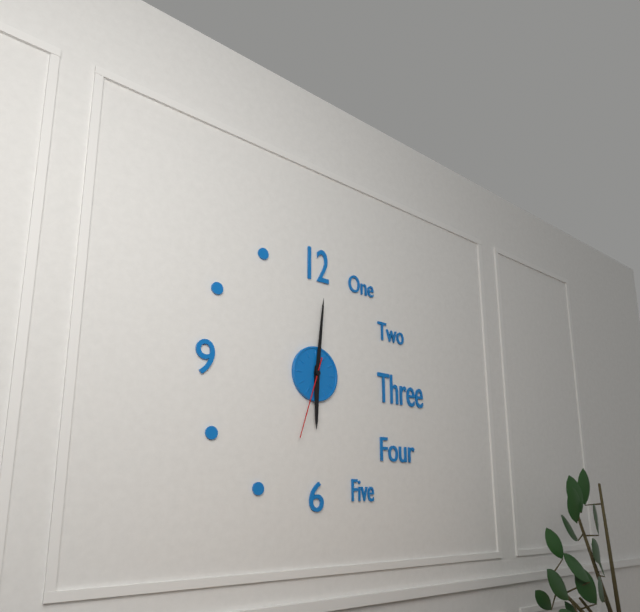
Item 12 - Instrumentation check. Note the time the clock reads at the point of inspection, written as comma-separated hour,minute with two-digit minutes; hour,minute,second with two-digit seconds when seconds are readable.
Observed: 6,01,33
